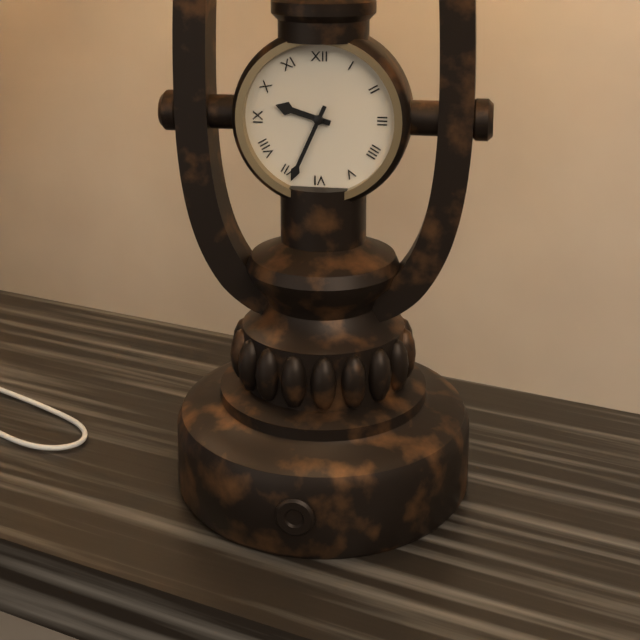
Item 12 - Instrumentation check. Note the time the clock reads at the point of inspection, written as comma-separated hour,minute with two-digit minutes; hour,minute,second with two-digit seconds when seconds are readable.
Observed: 9,34
